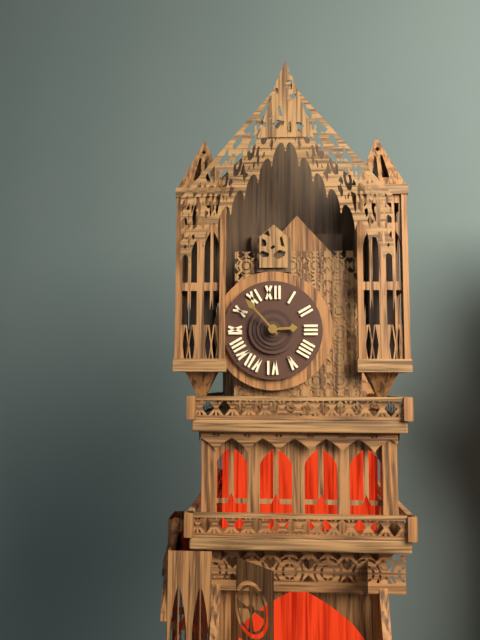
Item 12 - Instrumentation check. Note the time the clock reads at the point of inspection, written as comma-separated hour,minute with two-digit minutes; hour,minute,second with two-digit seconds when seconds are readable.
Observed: 2,53
